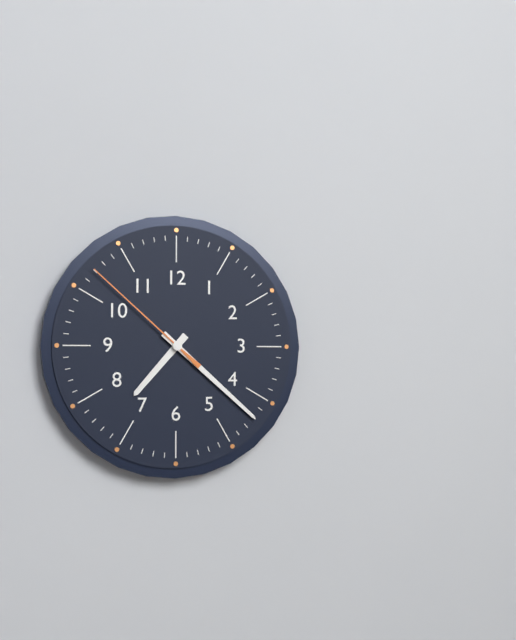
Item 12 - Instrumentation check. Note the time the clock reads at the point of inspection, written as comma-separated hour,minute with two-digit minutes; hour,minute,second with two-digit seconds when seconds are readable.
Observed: 7,22,52
